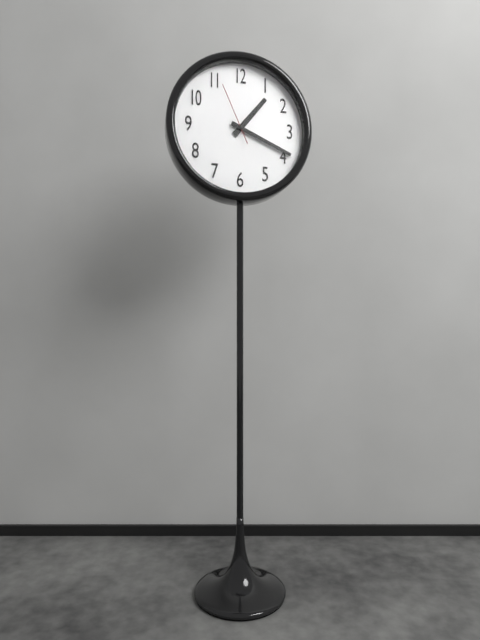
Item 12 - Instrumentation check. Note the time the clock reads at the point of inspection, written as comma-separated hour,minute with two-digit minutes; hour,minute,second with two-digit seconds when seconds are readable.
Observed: 1,19,56
